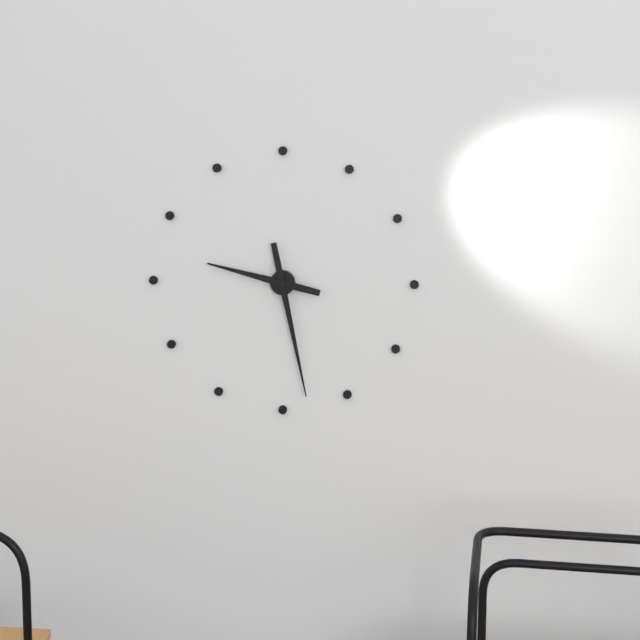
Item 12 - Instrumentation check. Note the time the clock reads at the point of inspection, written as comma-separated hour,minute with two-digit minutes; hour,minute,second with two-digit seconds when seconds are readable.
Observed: 9,28
